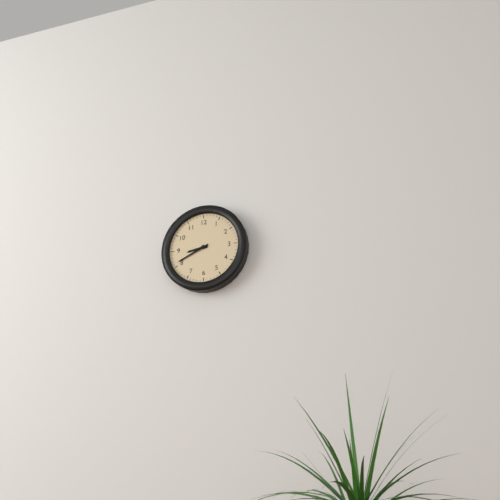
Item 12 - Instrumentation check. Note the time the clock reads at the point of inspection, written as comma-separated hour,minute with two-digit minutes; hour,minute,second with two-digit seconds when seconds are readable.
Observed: 8,41
